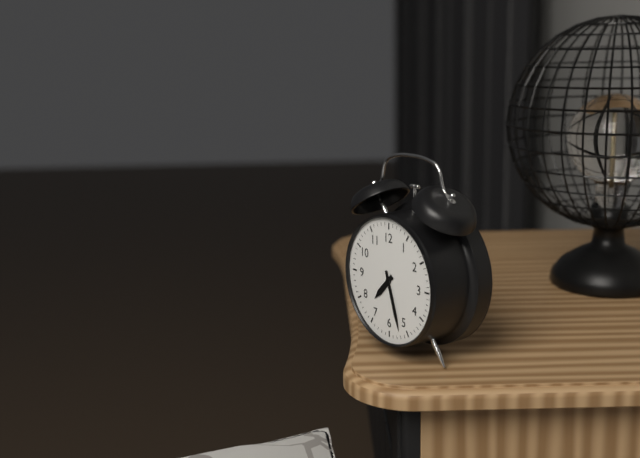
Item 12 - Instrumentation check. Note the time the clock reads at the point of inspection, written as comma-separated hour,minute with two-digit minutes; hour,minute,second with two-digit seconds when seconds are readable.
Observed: 7,27
